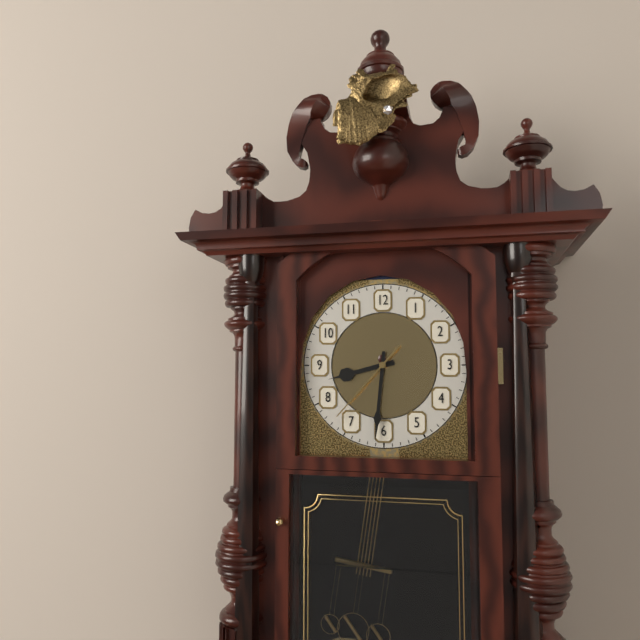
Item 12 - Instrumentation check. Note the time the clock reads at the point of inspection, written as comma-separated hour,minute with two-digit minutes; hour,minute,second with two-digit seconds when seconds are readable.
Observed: 8,31,37
